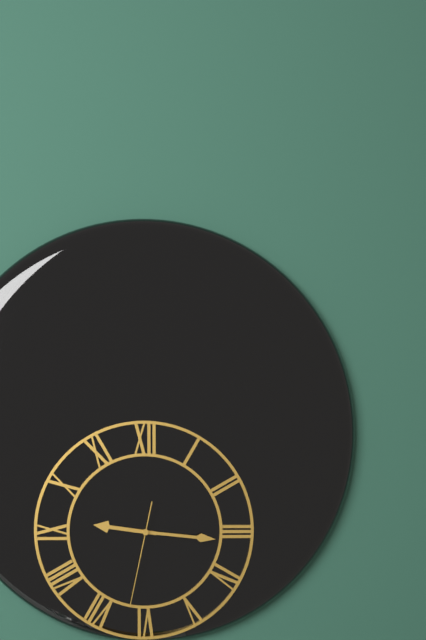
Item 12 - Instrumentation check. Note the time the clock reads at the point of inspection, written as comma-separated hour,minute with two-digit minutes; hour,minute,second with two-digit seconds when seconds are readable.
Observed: 9,16,32
